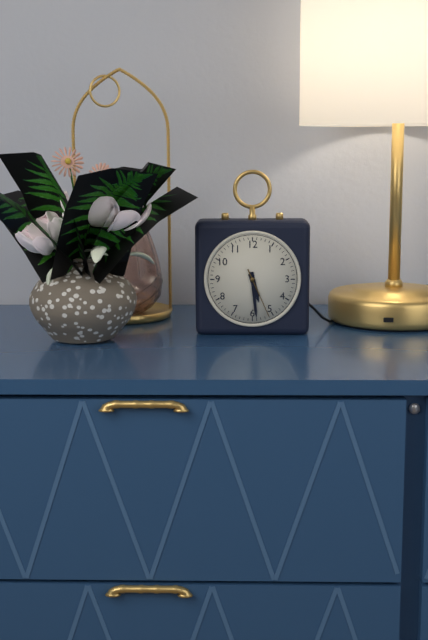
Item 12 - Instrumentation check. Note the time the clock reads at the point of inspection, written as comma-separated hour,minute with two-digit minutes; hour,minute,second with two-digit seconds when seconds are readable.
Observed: 5,29,26
